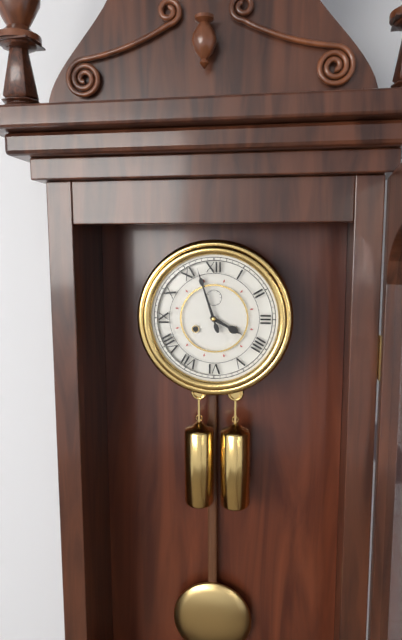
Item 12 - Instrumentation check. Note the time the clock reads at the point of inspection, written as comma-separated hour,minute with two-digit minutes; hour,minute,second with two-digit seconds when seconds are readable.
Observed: 3,57
